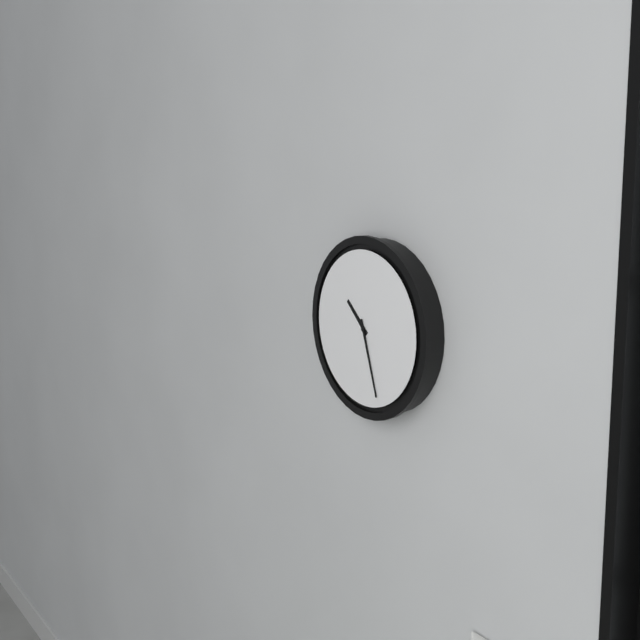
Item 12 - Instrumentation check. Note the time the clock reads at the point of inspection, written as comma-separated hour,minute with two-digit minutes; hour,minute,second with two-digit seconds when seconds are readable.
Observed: 10,27
